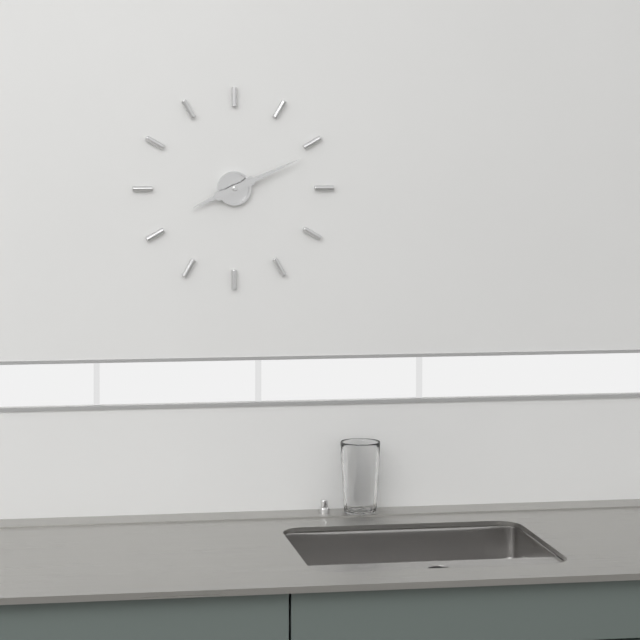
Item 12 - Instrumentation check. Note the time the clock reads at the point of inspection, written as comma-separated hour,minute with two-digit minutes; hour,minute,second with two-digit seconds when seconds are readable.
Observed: 8,11
